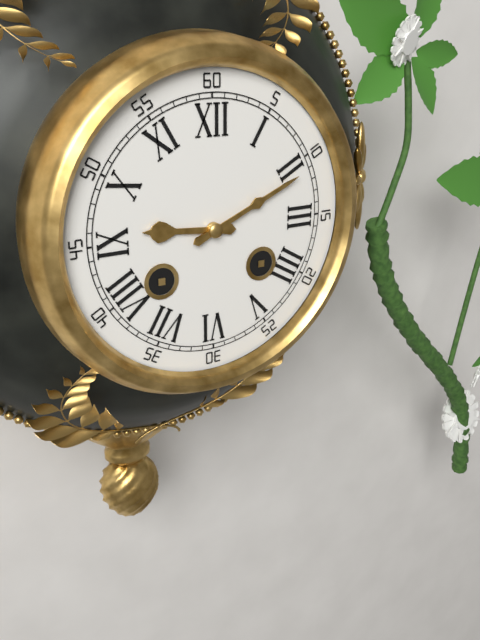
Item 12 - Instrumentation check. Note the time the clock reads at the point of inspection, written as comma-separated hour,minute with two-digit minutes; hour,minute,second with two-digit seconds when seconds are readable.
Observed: 9,11
